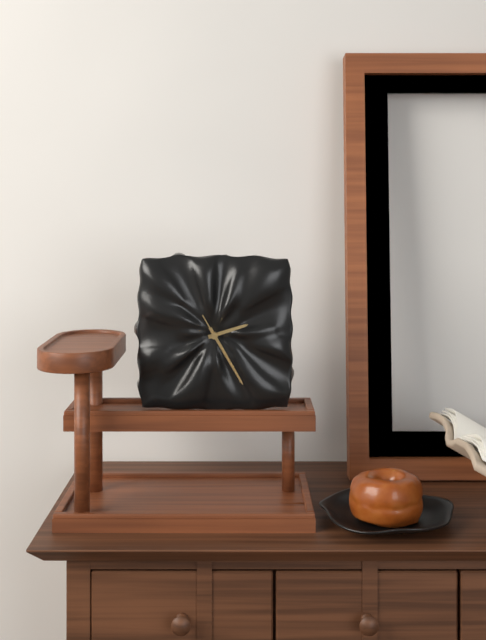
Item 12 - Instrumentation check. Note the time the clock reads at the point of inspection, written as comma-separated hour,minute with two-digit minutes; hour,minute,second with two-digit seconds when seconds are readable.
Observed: 2,25,25
